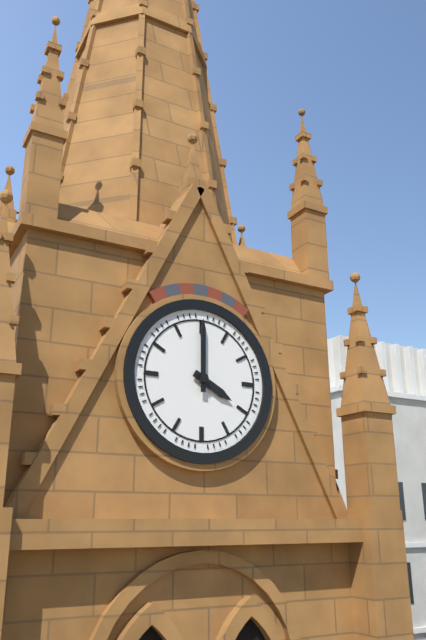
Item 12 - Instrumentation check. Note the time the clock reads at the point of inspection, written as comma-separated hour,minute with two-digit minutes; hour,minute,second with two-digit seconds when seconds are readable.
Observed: 4,00
